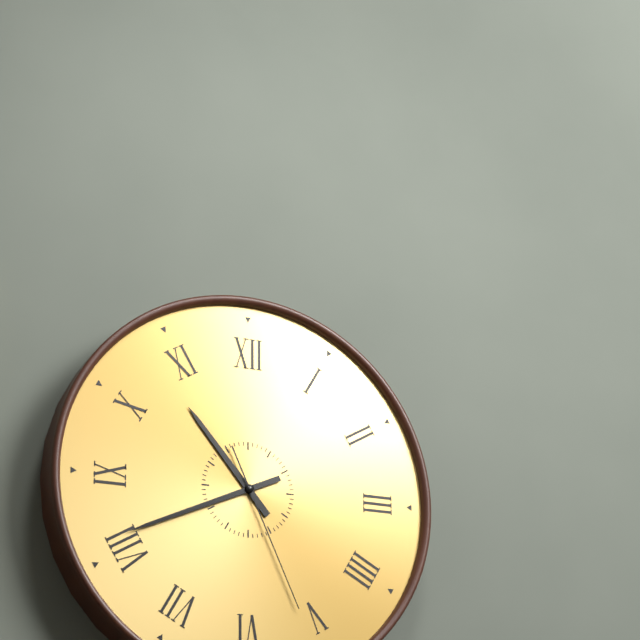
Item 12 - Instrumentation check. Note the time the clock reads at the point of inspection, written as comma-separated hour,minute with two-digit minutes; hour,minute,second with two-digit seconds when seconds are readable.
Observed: 10,41,26
